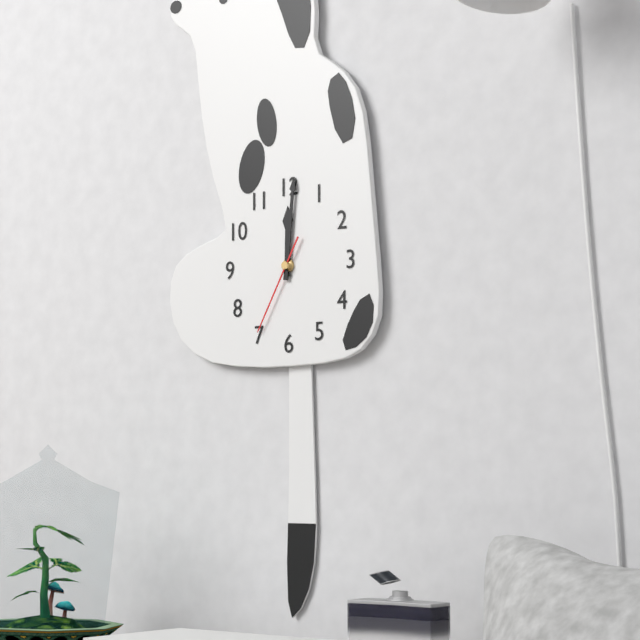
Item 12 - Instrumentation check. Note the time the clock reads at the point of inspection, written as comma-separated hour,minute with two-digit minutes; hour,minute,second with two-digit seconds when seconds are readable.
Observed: 12,01,35
